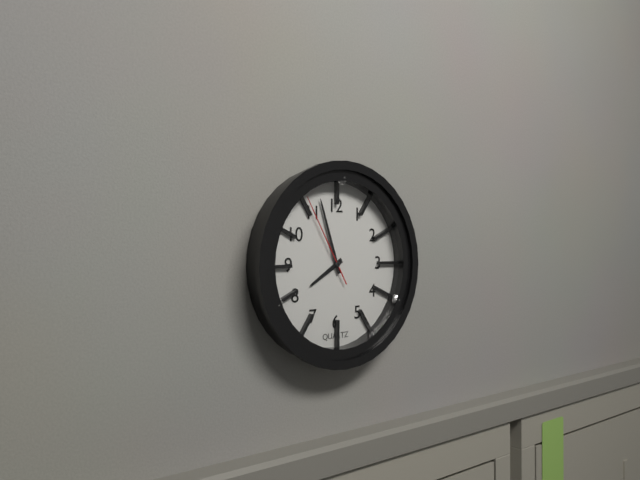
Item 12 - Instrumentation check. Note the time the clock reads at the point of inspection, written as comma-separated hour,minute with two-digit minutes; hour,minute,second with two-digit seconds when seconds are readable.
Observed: 7,57,55
